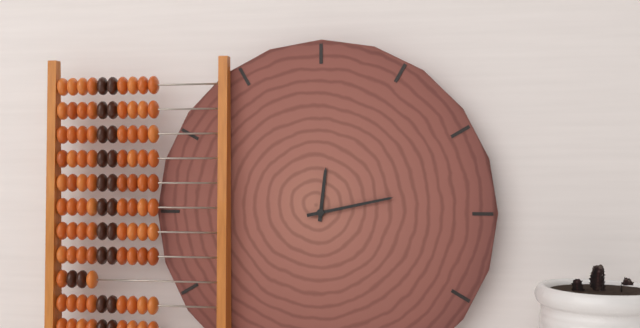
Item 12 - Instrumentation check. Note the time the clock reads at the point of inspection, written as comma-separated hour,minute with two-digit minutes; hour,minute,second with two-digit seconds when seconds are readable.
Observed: 12,13
